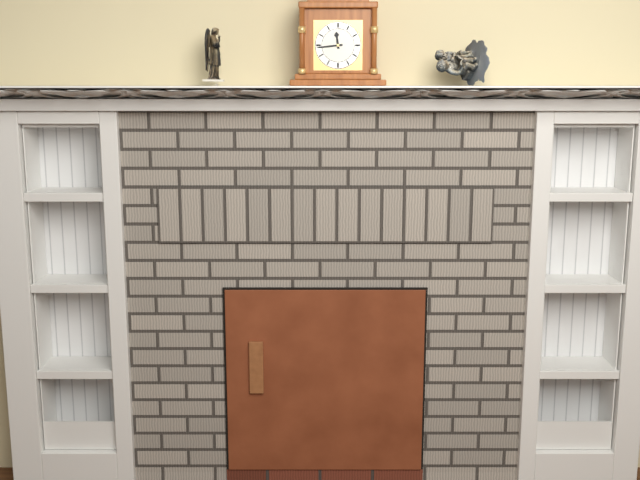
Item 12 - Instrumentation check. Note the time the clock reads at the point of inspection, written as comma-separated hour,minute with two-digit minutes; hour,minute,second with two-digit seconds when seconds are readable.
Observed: 11,44
